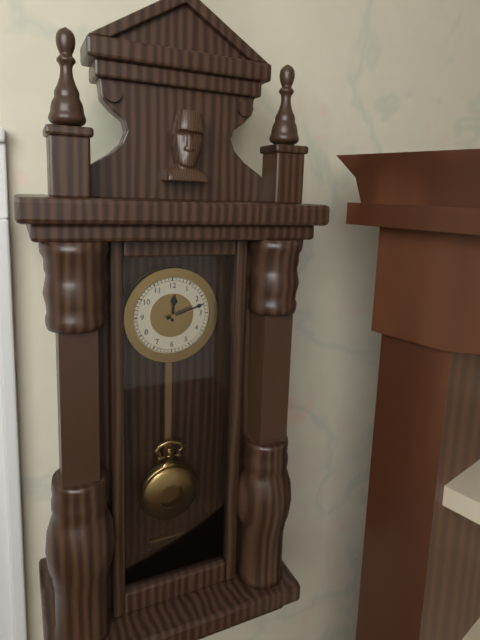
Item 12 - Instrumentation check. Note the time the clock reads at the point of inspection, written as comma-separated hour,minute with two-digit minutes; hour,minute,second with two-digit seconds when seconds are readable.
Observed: 12,12
